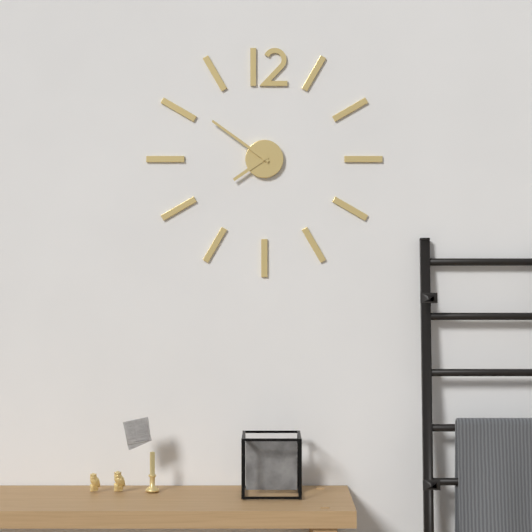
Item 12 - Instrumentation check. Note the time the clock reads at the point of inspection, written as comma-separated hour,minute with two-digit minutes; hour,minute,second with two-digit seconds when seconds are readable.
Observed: 7,51
